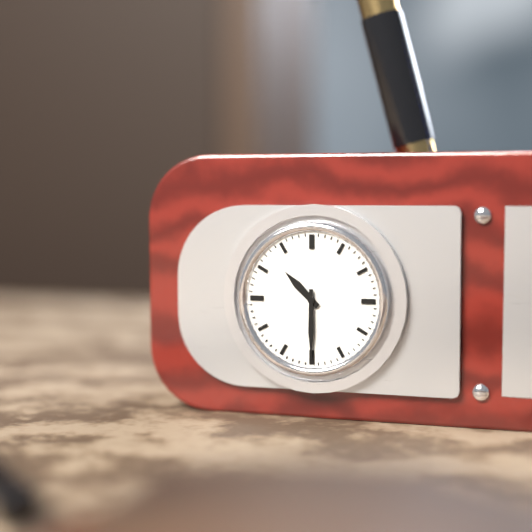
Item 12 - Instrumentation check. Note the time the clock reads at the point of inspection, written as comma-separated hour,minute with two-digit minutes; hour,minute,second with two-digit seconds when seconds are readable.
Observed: 10,30
